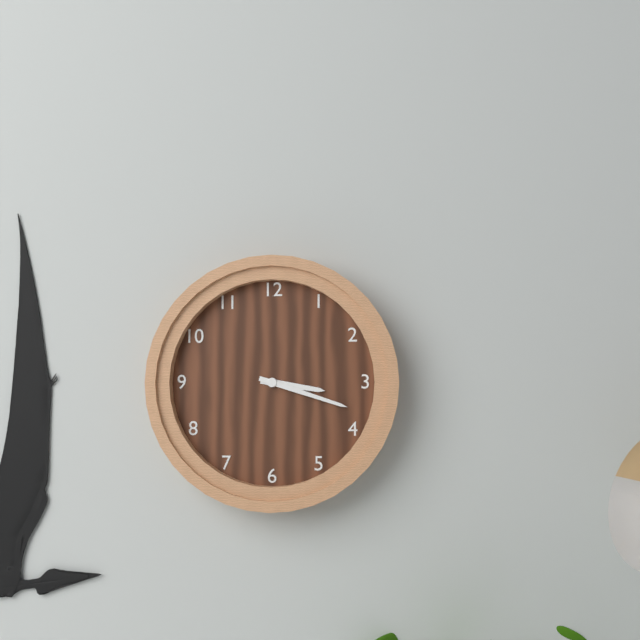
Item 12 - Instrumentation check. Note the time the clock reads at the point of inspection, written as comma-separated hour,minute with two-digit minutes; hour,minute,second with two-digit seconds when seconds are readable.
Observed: 3,18
